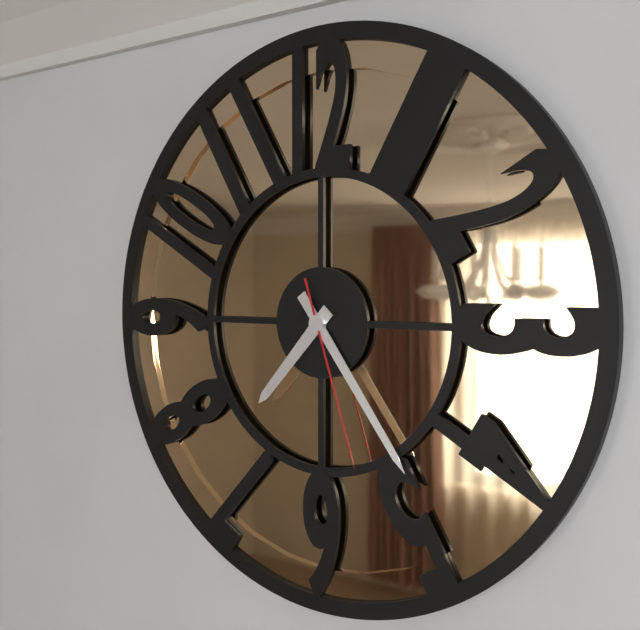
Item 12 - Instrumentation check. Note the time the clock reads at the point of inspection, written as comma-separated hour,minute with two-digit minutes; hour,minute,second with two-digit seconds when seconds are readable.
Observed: 7,24,27
